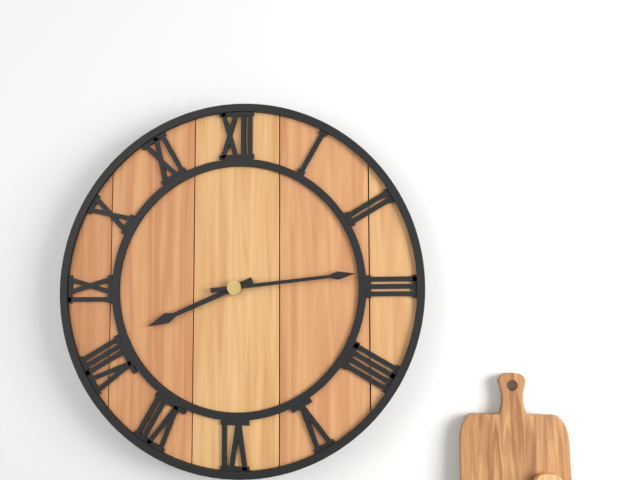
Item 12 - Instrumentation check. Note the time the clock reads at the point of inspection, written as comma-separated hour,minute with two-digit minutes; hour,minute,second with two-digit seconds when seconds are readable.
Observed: 8,14
